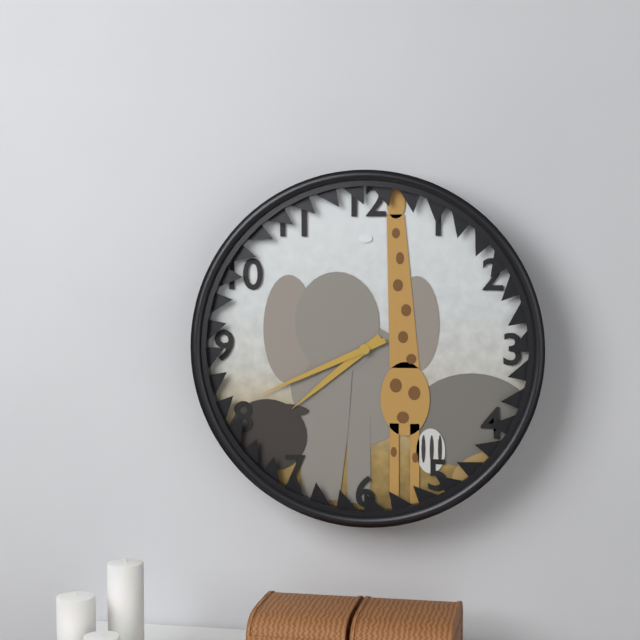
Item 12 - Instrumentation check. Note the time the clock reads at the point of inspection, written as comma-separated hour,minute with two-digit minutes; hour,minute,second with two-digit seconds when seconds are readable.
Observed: 7,41
